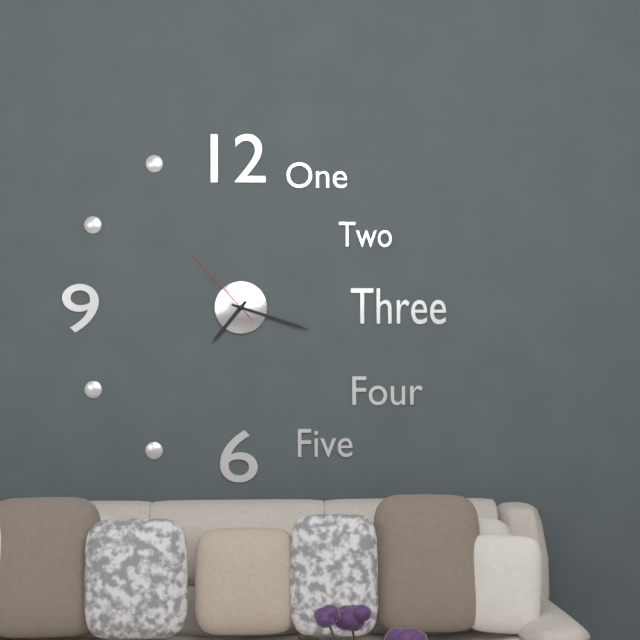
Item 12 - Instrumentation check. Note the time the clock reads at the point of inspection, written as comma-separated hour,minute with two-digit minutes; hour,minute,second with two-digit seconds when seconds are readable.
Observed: 7,18,53
